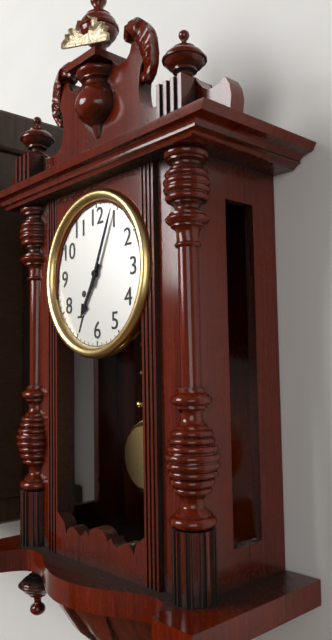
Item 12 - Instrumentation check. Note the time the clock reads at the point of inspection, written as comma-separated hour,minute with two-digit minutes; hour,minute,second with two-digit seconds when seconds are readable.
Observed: 7,04
